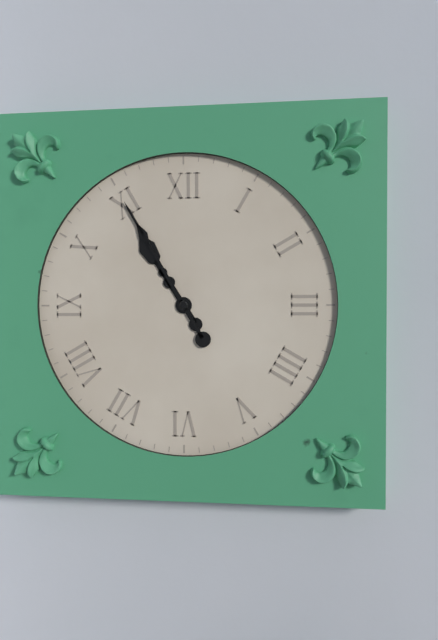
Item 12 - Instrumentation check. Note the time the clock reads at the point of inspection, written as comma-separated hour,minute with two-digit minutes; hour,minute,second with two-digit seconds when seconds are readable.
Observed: 10,55
